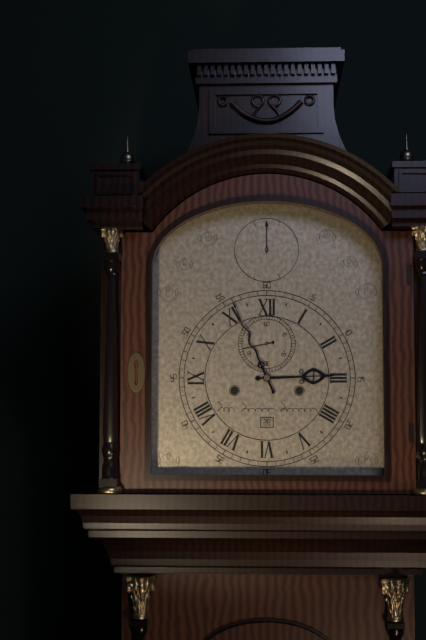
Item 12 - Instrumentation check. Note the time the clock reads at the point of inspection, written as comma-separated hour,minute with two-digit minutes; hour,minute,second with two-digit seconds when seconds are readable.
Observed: 2,56
